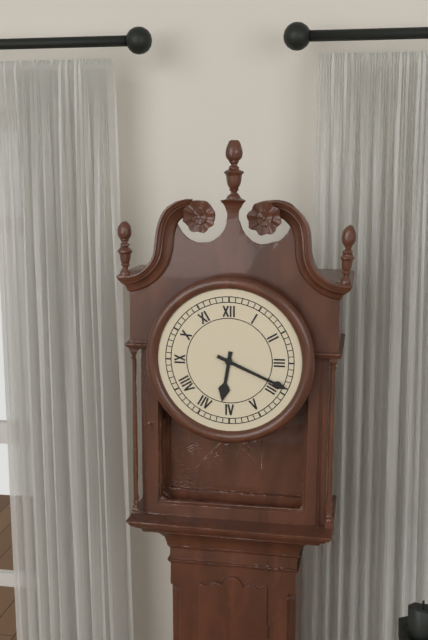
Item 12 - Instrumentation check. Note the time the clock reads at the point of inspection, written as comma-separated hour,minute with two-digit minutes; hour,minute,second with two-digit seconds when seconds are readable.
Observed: 6,19
